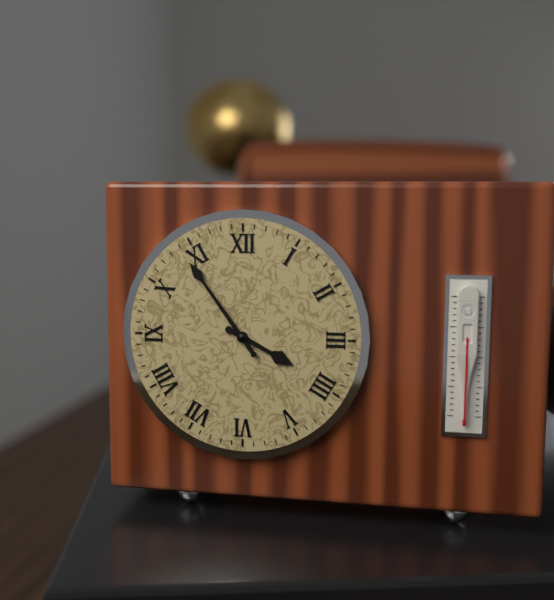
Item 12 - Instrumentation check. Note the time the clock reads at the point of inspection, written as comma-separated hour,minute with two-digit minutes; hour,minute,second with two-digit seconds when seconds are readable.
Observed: 3,54
